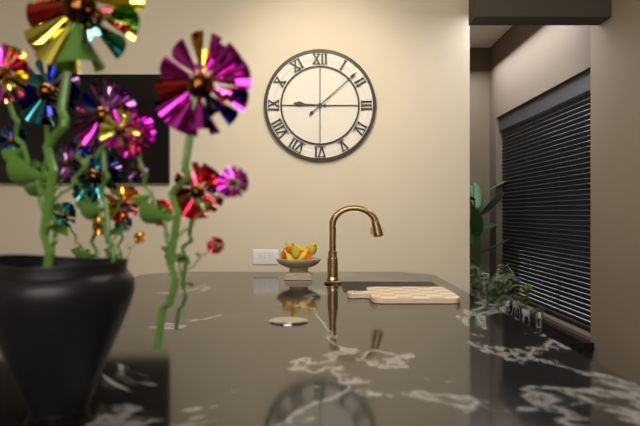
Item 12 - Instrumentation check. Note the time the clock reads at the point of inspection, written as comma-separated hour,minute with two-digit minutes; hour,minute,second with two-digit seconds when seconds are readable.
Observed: 9,08
